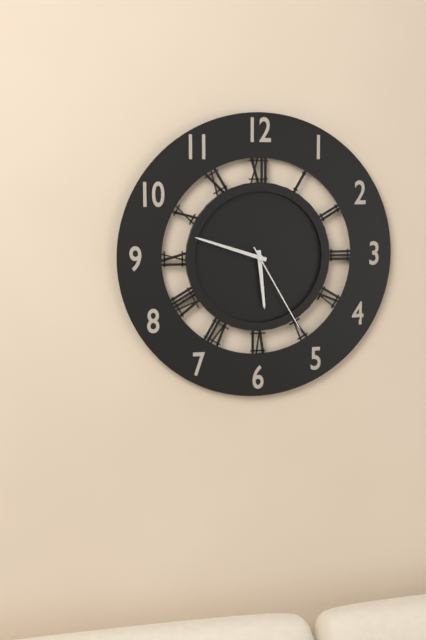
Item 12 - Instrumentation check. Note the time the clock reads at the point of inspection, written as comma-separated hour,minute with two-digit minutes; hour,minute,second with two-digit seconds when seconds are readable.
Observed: 5,48,25
